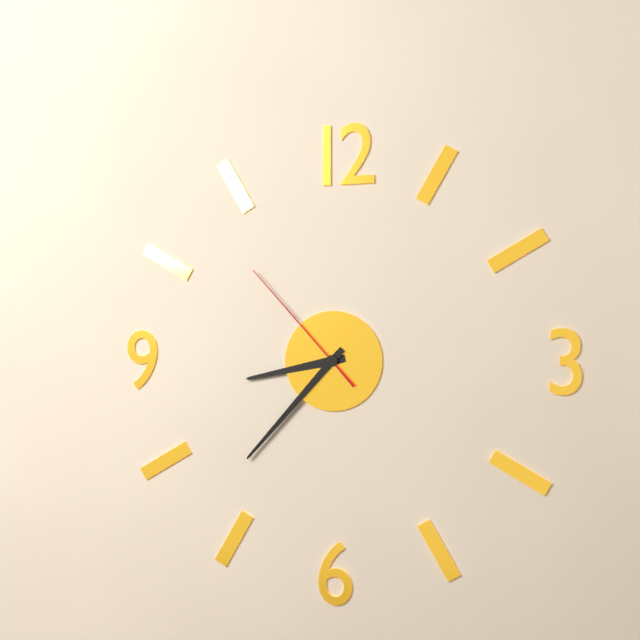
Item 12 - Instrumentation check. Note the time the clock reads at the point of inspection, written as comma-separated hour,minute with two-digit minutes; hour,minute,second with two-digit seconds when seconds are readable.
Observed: 8,37,53
